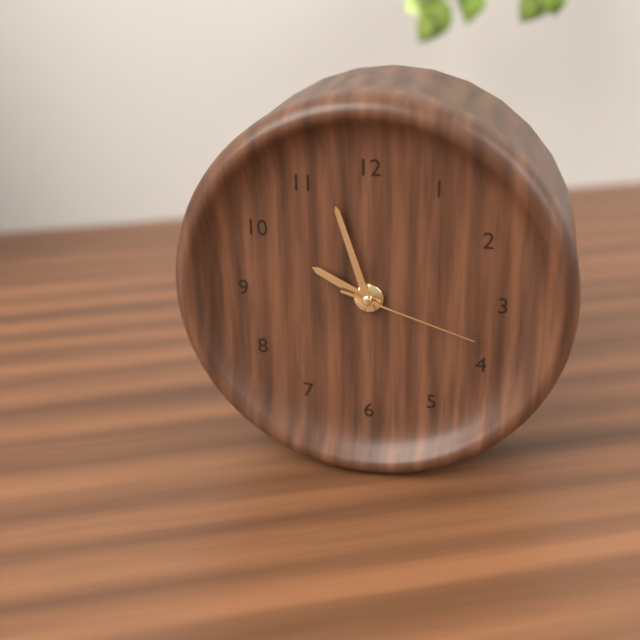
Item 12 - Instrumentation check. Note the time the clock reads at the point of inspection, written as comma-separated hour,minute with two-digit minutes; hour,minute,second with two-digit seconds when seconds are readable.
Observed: 9,57,18
